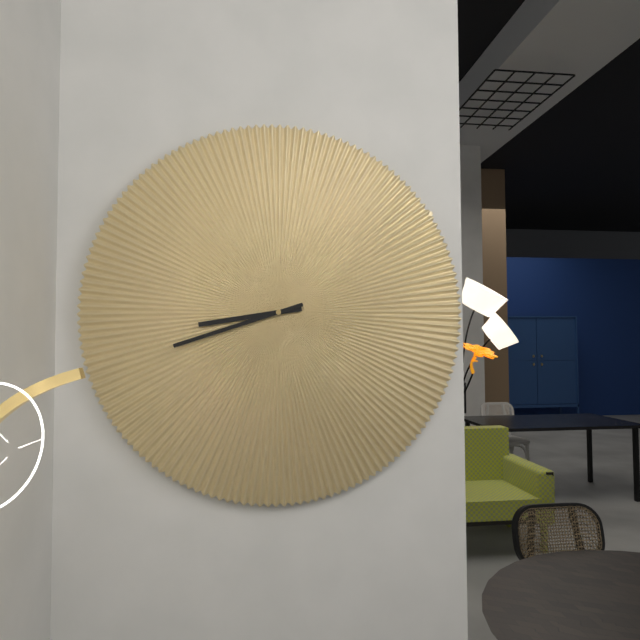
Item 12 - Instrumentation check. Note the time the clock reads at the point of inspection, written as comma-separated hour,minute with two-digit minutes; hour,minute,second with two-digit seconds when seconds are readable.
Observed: 8,42
